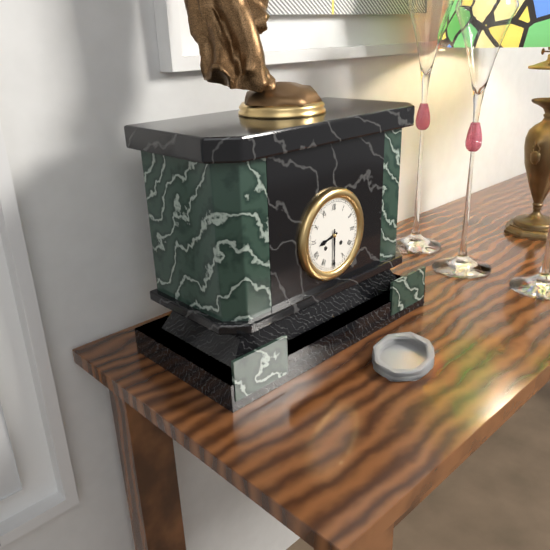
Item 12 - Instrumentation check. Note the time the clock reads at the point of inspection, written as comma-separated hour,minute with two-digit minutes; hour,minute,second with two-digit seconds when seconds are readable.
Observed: 8,30
